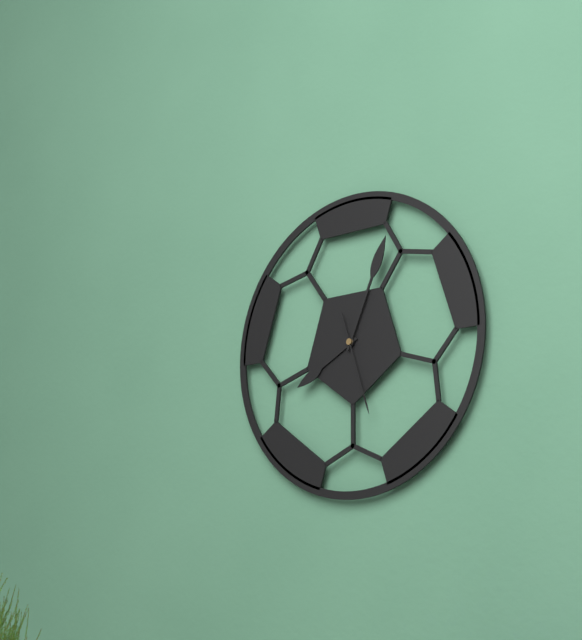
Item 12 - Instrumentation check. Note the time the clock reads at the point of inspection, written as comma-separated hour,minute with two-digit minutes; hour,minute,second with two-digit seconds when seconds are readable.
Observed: 8,04,27
